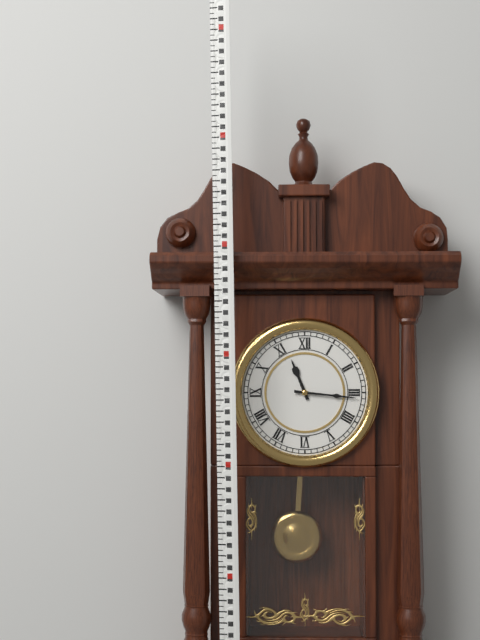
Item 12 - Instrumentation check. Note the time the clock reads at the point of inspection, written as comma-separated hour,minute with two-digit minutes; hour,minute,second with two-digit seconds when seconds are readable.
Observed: 11,16
